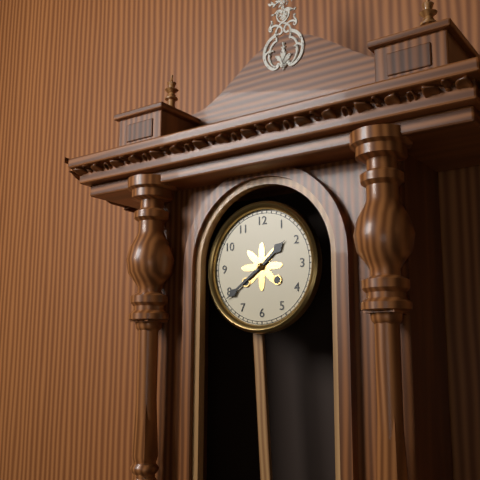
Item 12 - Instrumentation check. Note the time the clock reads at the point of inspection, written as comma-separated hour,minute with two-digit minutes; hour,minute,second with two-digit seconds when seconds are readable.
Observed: 1,39
